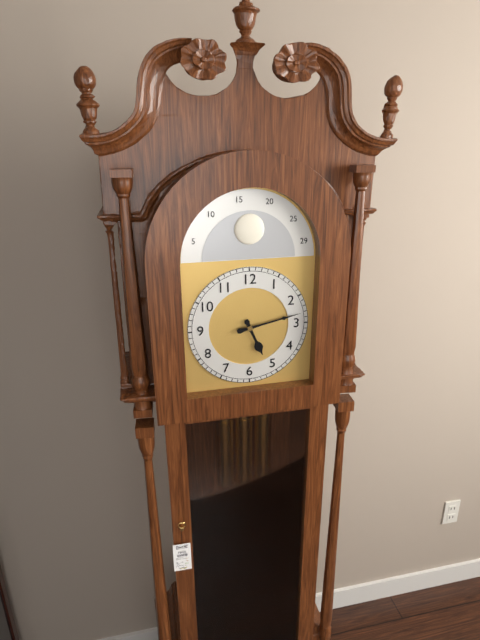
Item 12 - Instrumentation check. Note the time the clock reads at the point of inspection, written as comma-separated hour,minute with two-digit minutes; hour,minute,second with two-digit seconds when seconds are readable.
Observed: 5,13
